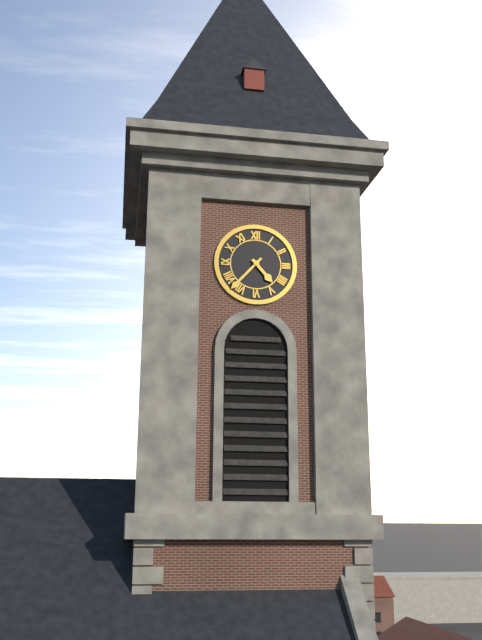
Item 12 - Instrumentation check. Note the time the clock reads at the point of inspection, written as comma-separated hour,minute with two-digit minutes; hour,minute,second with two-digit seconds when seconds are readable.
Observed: 4,37
